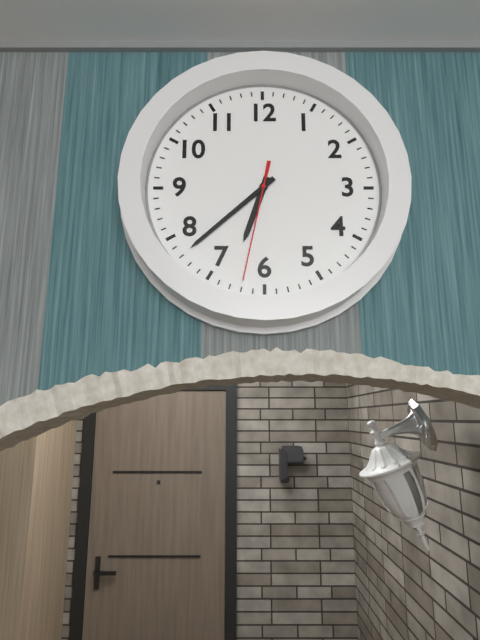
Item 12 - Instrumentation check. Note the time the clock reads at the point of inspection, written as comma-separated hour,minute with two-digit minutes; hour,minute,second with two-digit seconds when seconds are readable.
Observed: 6,38,32
